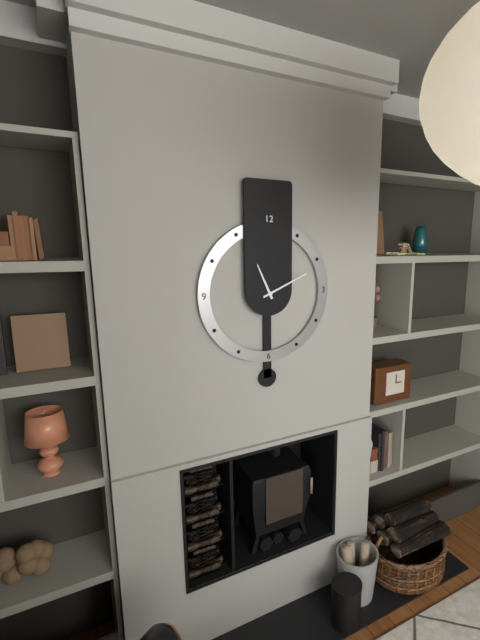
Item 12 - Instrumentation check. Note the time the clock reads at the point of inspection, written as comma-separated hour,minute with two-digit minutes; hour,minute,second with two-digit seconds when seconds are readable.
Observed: 11,11
